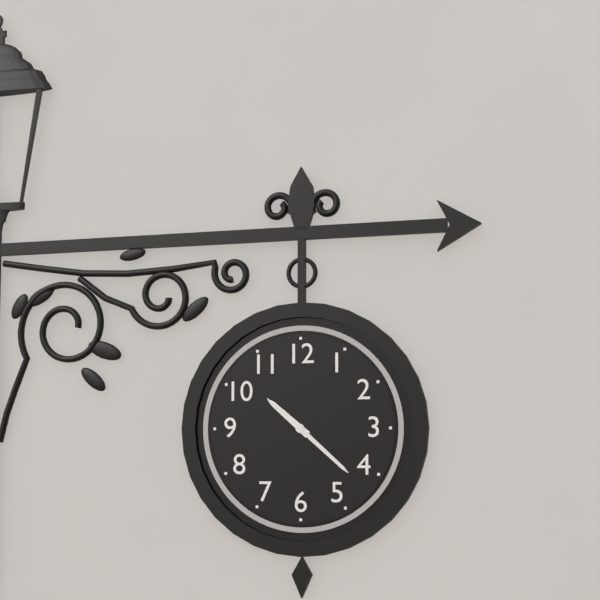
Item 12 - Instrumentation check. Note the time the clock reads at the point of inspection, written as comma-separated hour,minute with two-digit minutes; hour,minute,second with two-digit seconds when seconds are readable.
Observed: 10,22
